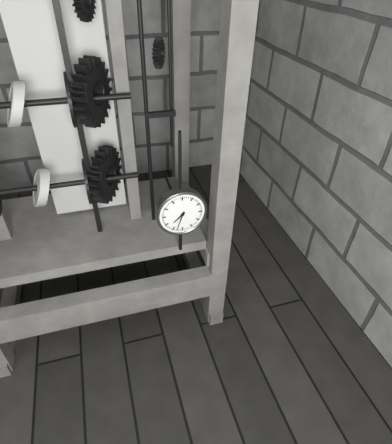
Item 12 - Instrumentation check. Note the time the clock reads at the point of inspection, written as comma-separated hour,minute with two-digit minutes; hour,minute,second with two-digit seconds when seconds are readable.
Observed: 7,33
